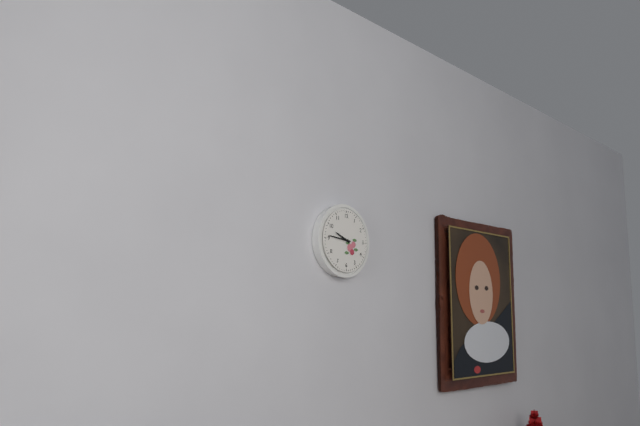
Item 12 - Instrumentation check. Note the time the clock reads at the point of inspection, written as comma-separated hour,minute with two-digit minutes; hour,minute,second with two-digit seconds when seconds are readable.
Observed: 9,46
